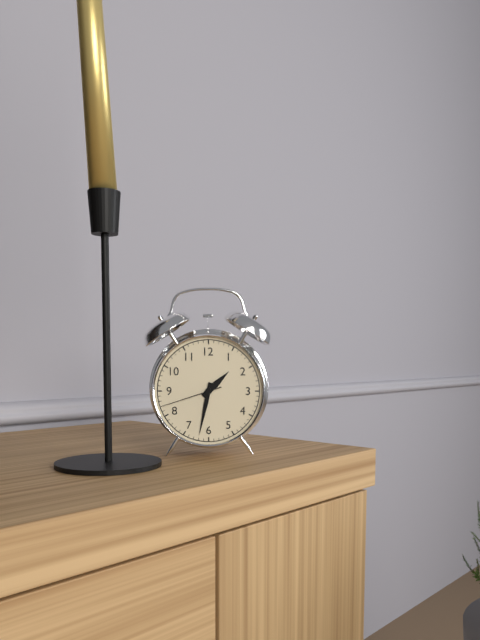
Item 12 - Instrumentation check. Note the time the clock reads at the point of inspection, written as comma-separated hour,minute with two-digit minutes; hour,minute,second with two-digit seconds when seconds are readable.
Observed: 1,32,42
